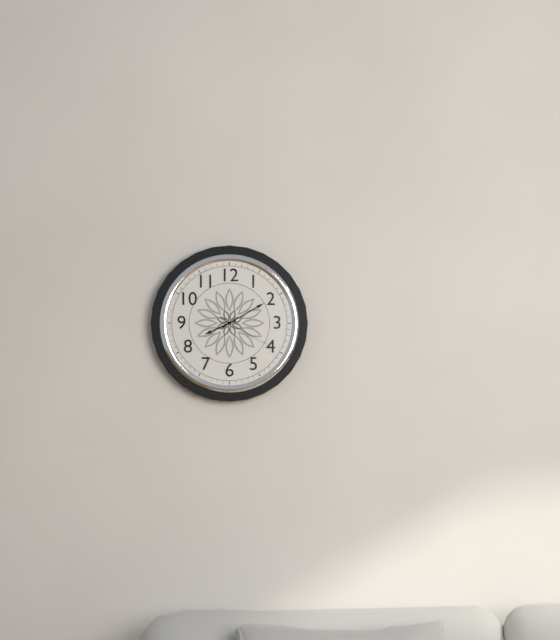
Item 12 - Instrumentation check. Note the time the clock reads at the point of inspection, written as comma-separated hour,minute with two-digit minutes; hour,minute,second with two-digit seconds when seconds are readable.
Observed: 8,10,20
